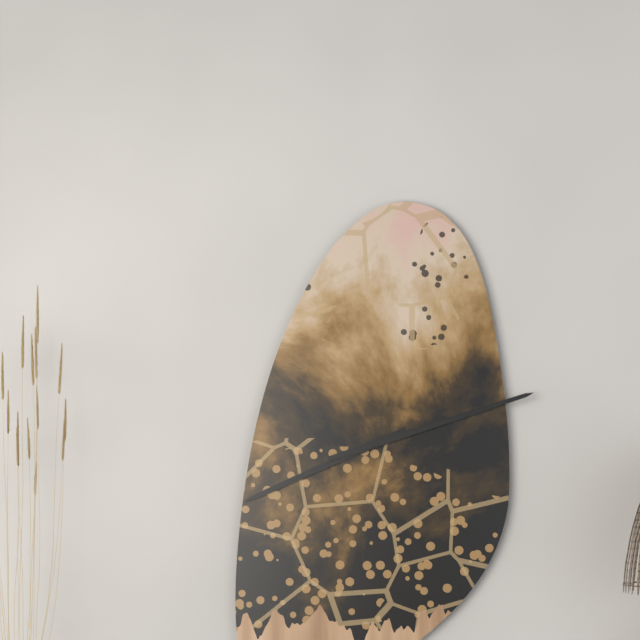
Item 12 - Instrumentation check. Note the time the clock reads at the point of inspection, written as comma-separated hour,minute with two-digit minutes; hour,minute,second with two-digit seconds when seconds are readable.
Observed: 8,12
